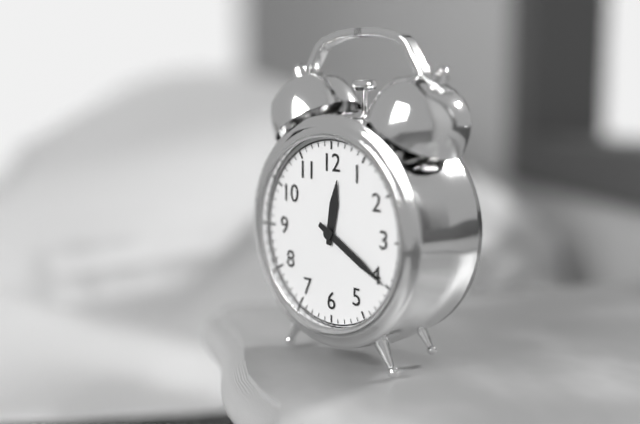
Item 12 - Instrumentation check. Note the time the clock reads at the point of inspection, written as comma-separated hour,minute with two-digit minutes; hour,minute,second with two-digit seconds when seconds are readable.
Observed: 12,20
